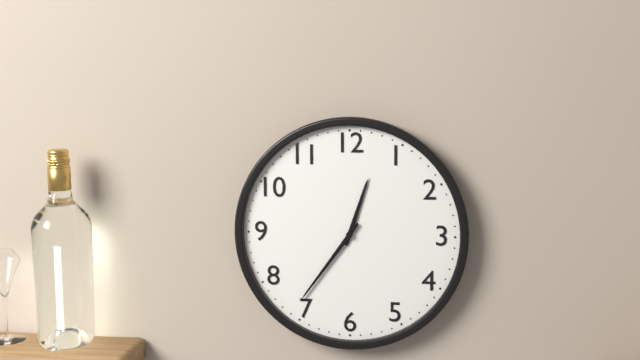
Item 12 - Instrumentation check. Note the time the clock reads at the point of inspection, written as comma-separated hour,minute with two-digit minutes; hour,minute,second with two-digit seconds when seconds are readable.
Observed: 12,36
